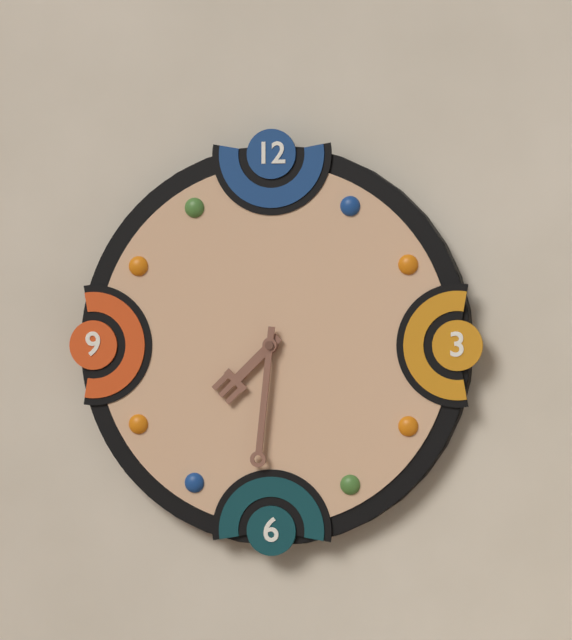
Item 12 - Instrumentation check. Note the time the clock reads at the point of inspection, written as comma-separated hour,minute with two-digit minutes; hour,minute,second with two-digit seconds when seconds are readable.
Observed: 7,31
